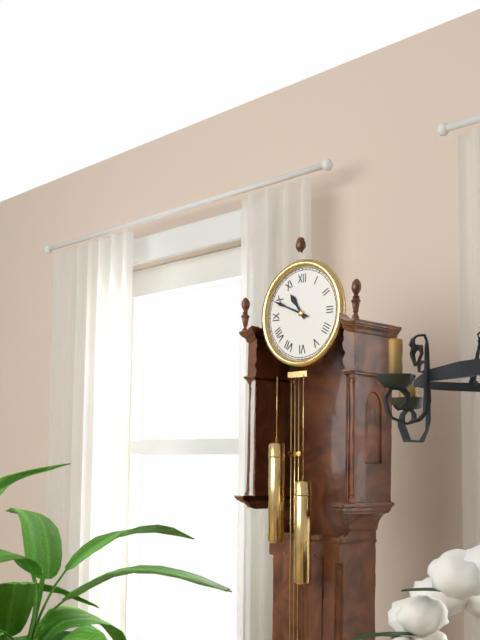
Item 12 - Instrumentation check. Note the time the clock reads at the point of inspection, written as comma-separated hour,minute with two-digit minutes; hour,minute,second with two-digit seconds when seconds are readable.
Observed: 10,49
